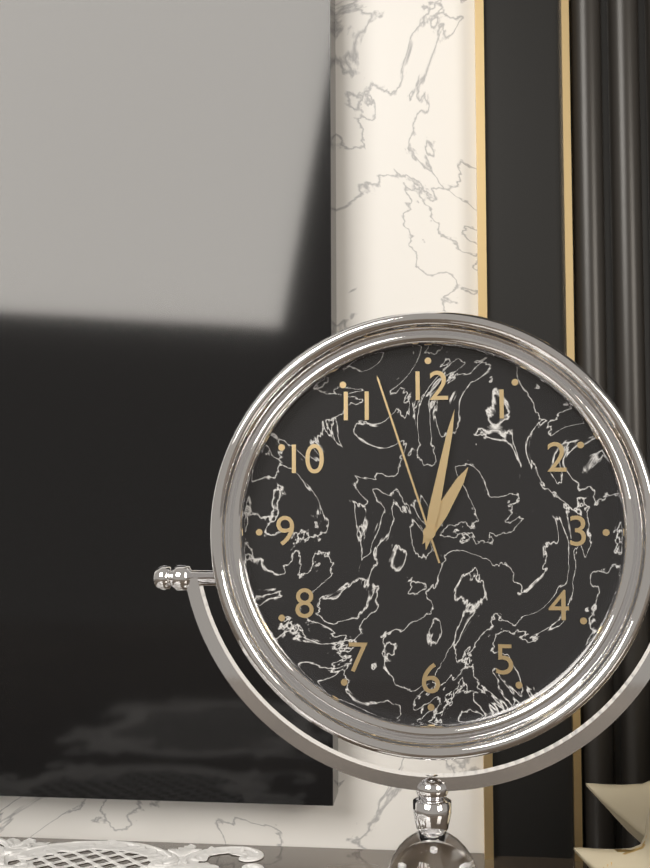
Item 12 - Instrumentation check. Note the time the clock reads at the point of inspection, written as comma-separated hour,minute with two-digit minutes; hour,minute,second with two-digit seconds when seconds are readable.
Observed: 1,02,57
